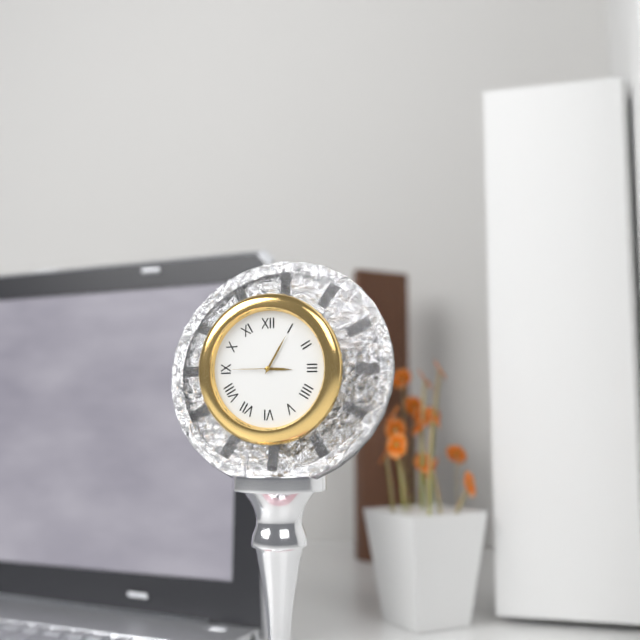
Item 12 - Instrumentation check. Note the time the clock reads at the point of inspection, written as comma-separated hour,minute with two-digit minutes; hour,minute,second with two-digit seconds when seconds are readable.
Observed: 3,05
